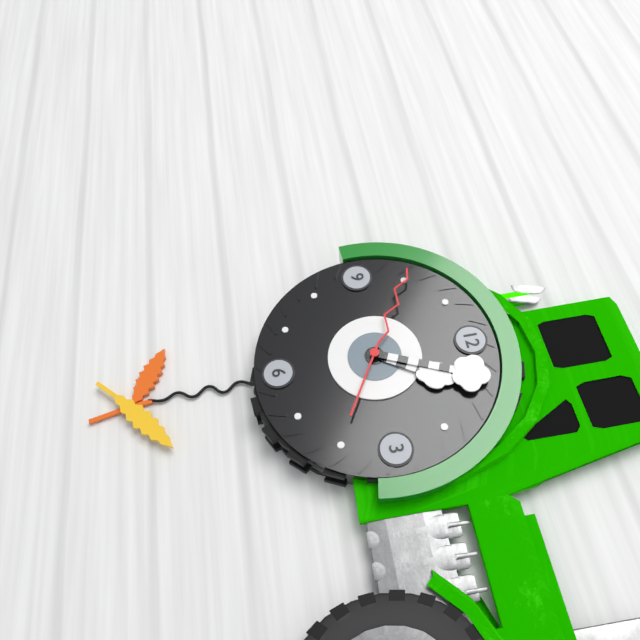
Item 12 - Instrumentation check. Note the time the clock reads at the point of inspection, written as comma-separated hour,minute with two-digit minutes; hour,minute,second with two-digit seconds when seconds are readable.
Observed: 1,04,50
